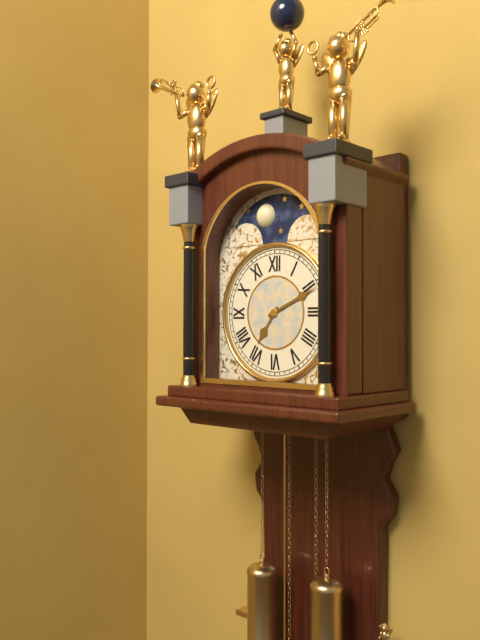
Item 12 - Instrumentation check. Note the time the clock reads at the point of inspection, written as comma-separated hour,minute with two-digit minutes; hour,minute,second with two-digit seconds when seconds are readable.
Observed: 7,11
